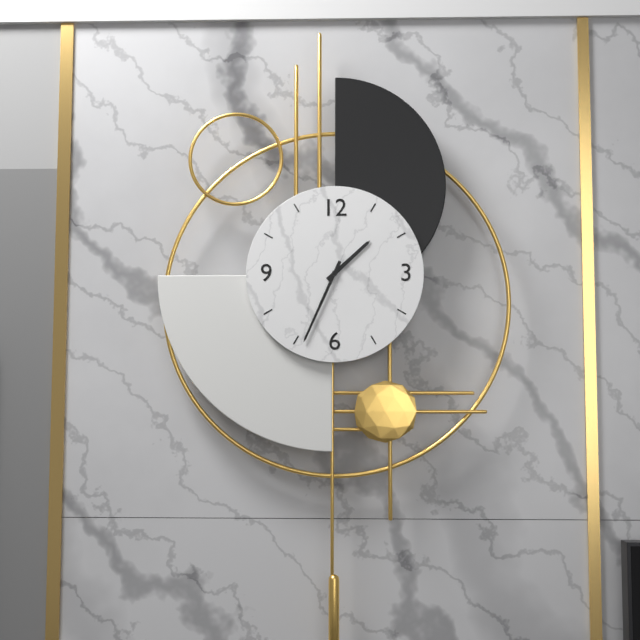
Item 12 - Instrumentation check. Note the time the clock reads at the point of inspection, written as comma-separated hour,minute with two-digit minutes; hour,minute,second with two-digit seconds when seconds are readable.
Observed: 1,34
